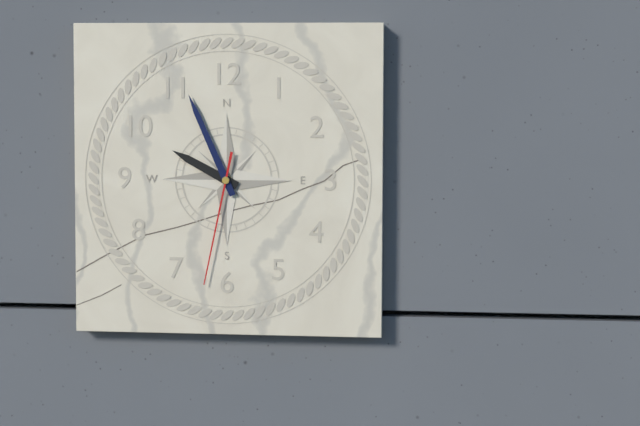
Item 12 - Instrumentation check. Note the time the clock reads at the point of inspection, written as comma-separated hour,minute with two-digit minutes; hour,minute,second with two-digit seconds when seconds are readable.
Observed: 9,56,32
